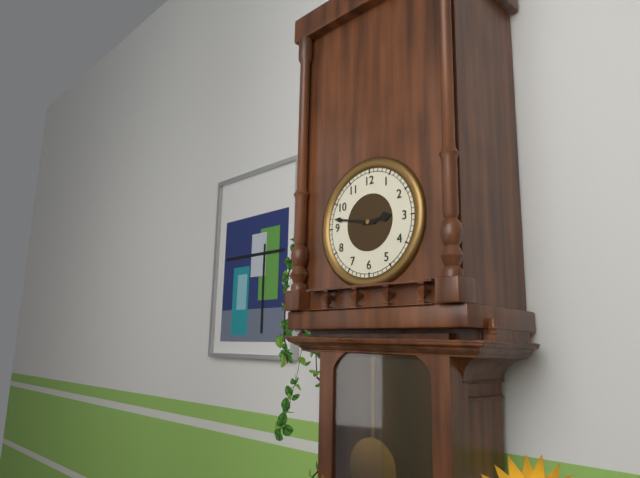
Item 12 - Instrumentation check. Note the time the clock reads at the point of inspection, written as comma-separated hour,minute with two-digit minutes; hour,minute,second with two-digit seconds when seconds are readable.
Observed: 2,47
